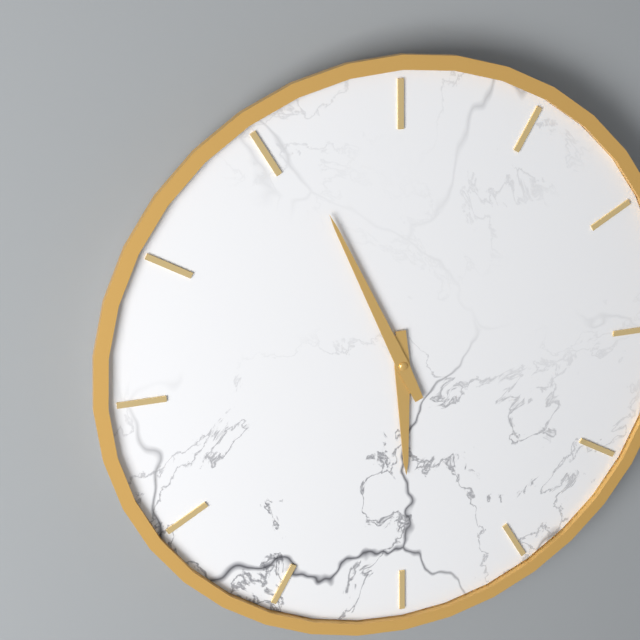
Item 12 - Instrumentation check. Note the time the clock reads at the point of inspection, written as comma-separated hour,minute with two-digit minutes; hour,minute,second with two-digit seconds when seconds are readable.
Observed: 5,56
